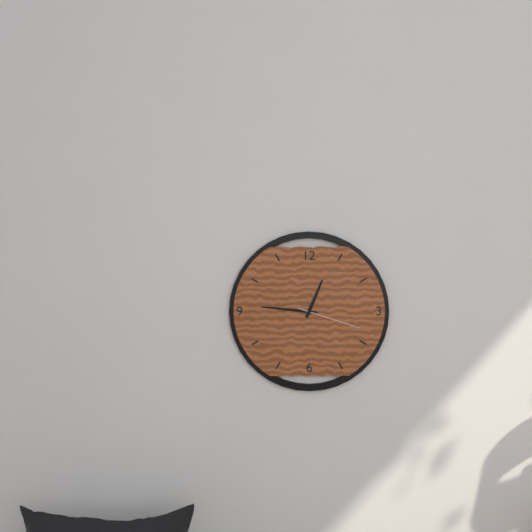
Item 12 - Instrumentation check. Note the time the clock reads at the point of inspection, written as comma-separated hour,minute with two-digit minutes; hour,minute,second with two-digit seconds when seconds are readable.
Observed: 12,46,18
